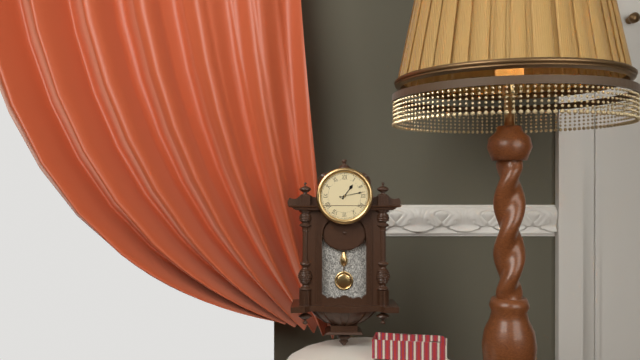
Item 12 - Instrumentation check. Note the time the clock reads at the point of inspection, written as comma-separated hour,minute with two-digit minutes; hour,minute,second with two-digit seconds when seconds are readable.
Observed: 1,13
